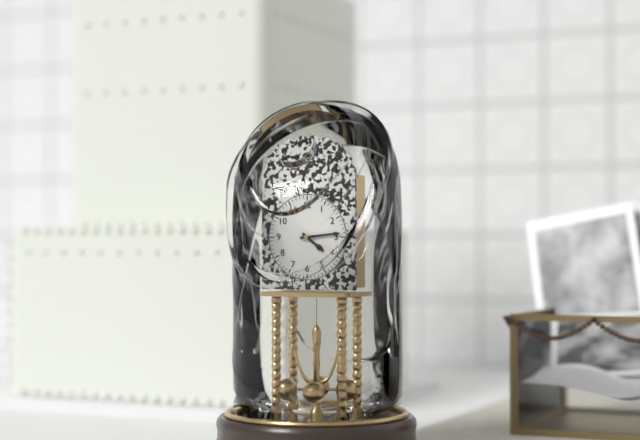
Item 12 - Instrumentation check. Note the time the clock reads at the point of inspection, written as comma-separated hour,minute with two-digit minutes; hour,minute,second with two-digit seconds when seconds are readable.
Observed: 4,14
